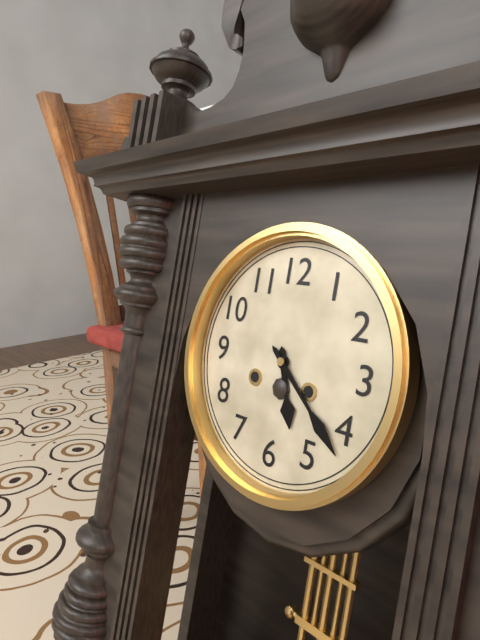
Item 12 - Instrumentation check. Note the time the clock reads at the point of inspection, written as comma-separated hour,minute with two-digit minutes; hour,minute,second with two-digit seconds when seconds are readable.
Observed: 5,22
